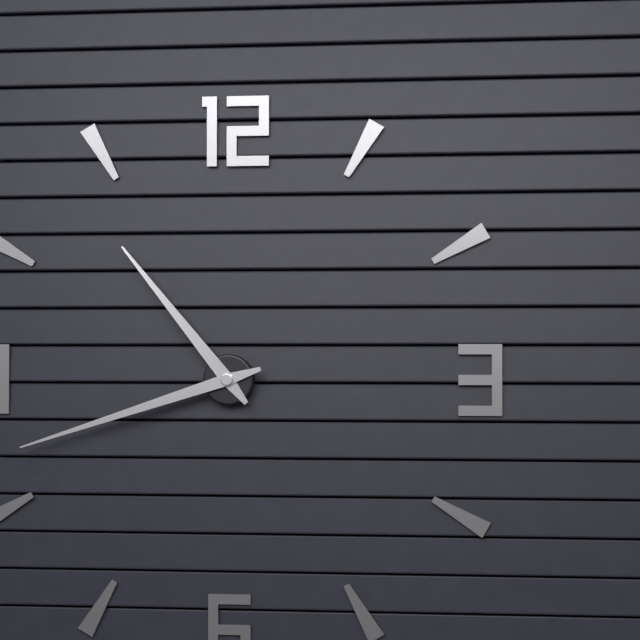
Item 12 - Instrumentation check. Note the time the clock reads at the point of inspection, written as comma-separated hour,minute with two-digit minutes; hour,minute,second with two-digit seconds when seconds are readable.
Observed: 10,42
